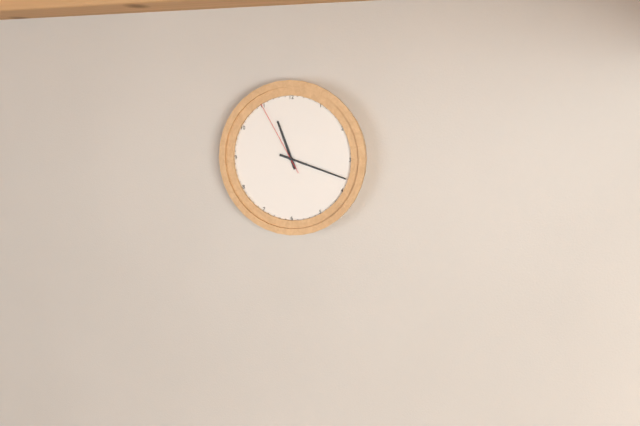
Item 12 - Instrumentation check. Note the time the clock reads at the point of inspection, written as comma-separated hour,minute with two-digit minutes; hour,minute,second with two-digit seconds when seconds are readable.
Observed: 11,18,55
